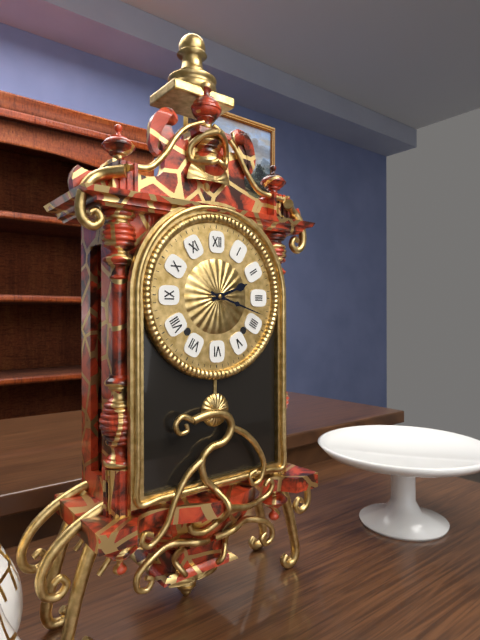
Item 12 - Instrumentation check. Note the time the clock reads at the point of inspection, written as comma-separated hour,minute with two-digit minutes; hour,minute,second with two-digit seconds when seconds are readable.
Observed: 2,18
